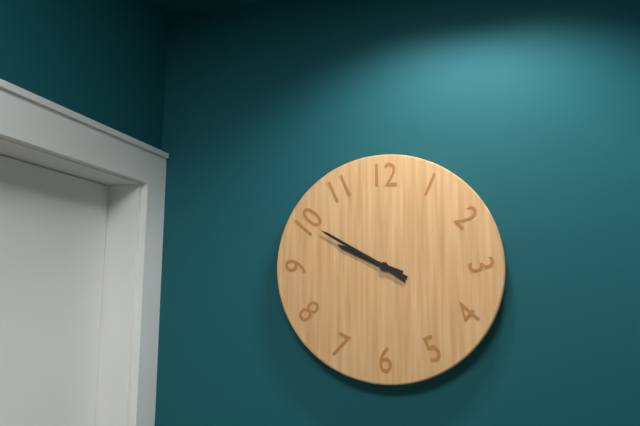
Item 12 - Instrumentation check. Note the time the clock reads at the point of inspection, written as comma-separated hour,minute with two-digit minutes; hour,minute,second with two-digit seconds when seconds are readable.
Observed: 9,50
